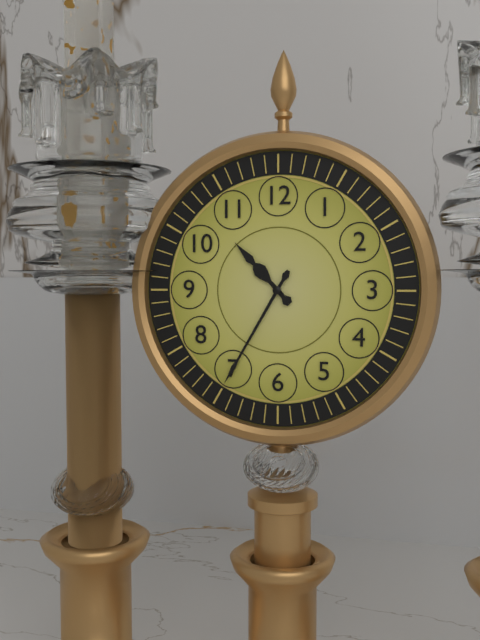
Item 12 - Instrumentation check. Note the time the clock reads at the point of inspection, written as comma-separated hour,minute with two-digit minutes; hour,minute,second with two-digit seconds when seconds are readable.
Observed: 10,35
